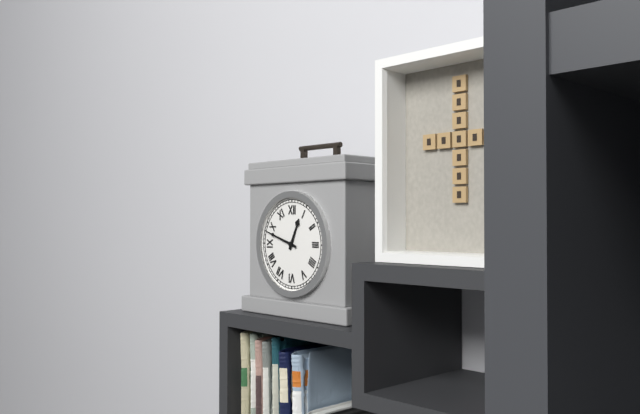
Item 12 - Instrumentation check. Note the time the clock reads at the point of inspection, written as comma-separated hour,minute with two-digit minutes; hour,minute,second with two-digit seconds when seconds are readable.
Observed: 12,48
